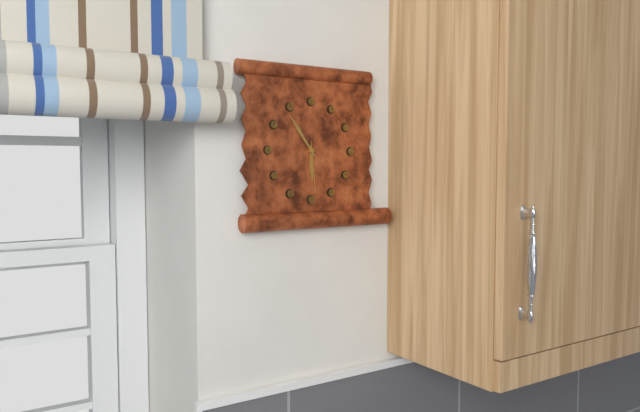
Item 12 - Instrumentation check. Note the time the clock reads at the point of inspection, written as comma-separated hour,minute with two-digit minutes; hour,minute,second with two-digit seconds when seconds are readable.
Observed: 5,54,29
